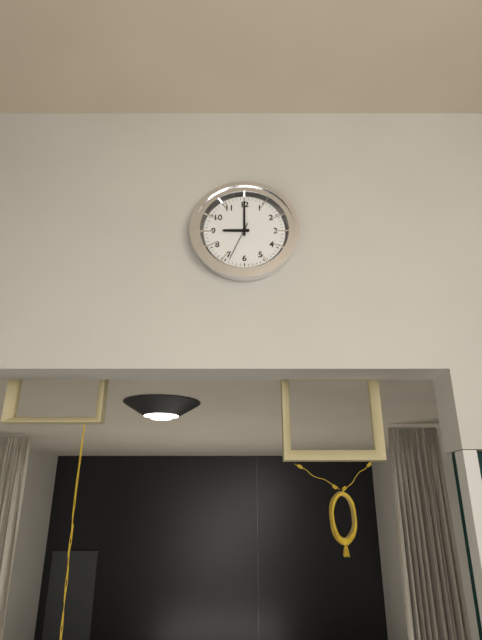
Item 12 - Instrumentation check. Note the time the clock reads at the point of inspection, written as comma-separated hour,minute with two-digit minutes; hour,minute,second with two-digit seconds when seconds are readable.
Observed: 9,00
